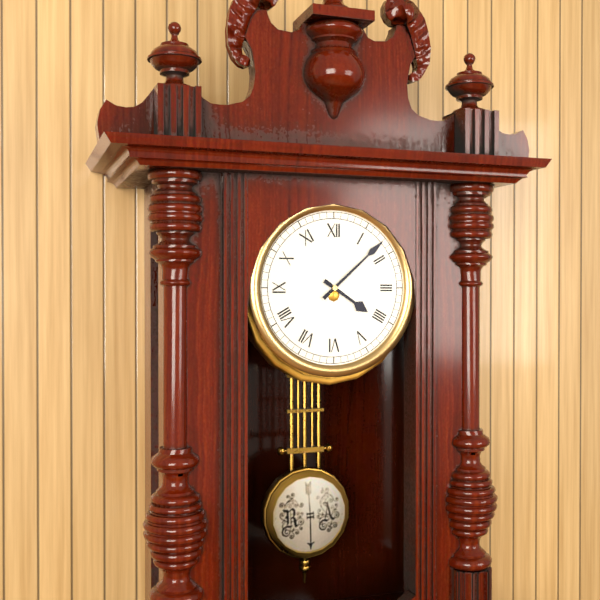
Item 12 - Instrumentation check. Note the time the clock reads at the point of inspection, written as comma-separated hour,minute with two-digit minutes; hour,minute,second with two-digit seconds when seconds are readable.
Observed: 4,08
